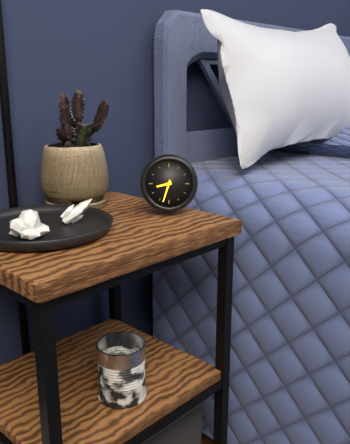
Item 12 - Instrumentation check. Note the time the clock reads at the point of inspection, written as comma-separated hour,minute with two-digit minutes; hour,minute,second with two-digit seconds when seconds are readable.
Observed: 8,33
